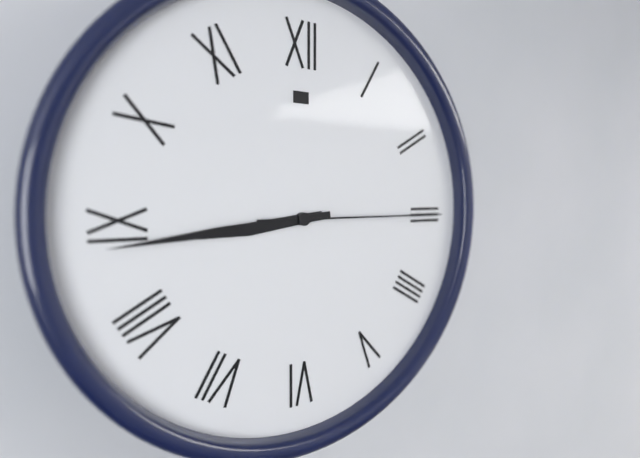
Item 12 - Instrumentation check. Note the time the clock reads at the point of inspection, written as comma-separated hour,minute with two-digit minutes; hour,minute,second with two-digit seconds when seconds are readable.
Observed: 8,44,15
